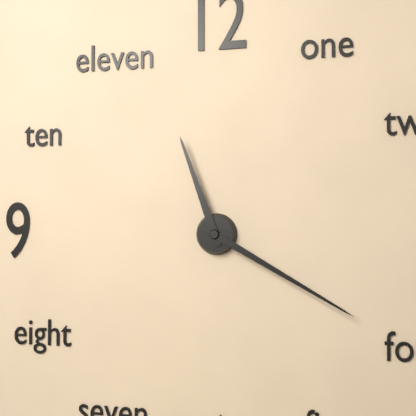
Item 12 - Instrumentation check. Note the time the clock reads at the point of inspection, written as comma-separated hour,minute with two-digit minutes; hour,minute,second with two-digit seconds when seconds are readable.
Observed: 11,20
